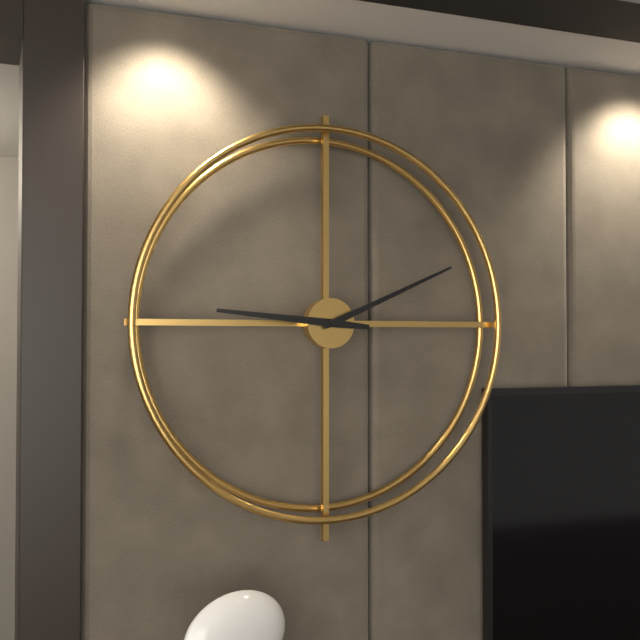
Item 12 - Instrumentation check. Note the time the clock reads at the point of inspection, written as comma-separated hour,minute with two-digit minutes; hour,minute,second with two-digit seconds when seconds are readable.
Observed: 9,11
